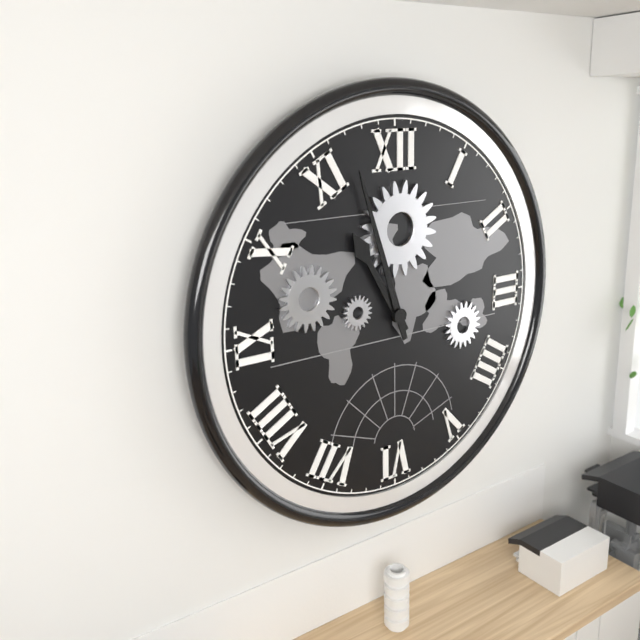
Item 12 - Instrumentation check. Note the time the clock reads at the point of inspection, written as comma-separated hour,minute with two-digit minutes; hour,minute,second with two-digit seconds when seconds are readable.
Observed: 10,57
